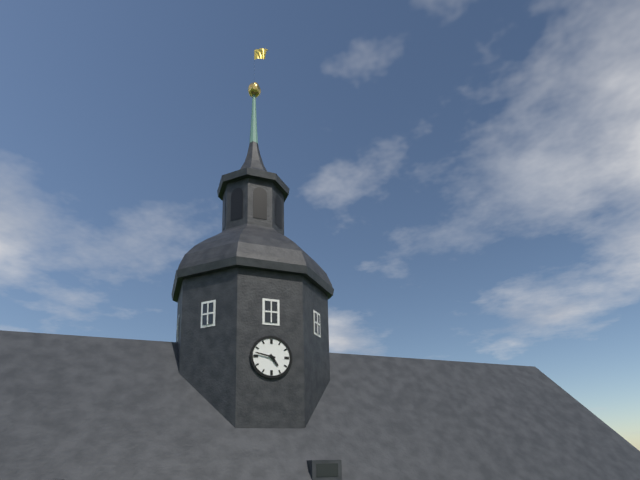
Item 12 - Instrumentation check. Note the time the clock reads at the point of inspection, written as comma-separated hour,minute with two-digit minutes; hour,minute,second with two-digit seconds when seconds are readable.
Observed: 4,47
